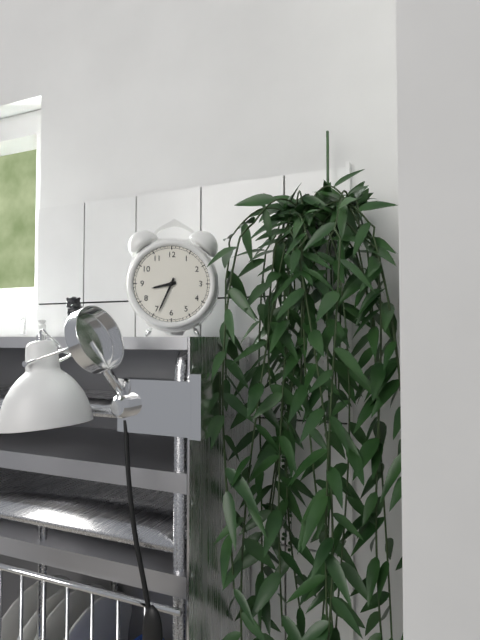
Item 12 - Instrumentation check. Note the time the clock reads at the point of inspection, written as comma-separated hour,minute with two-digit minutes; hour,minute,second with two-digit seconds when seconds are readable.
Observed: 8,34
